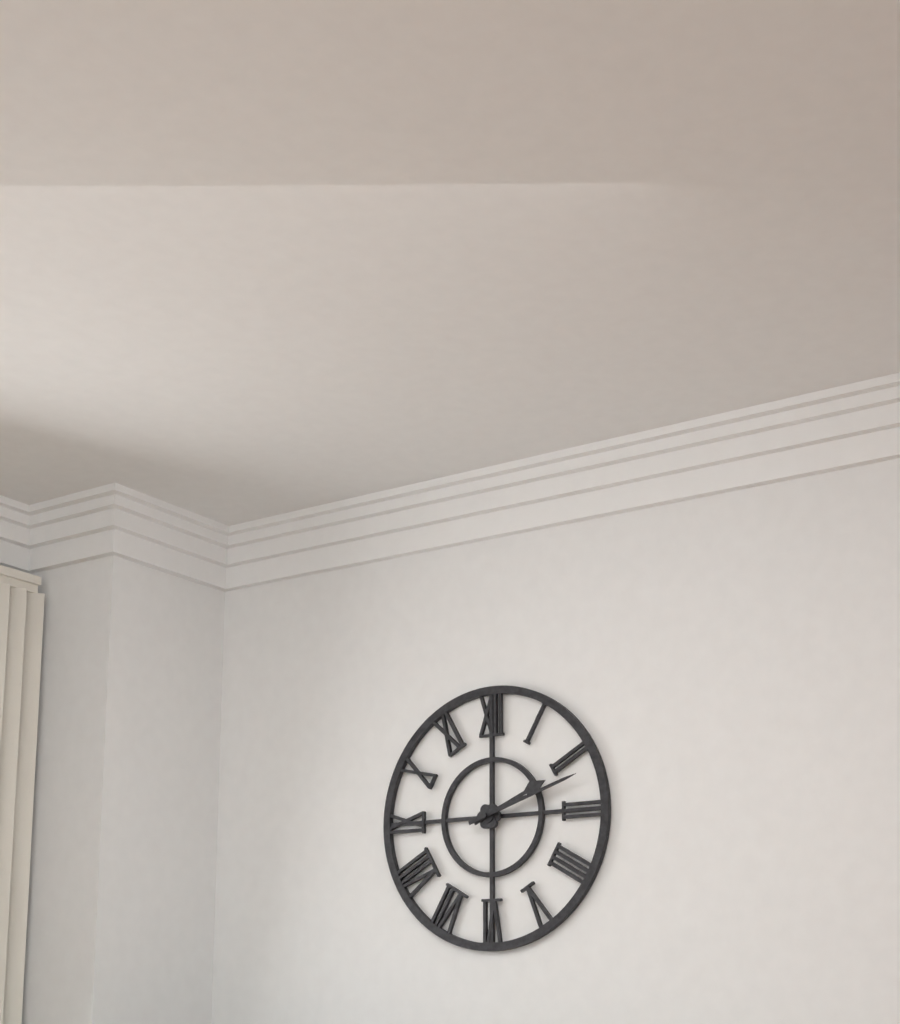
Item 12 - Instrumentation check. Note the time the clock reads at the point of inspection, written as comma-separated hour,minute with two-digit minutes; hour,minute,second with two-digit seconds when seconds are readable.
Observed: 2,12
